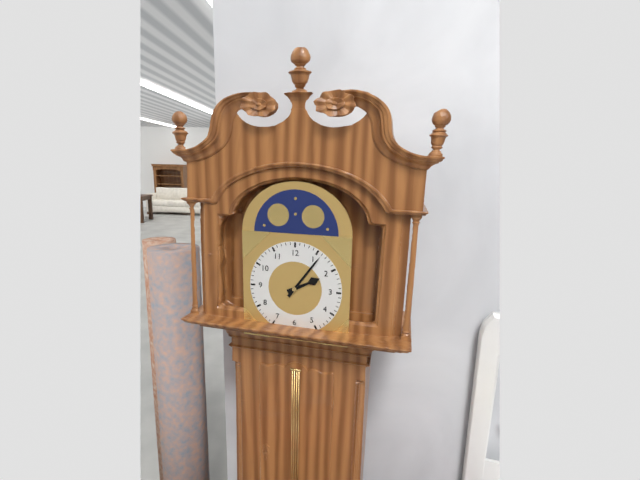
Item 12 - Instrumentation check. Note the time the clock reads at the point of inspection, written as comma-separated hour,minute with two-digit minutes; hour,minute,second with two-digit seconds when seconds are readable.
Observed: 2,06
